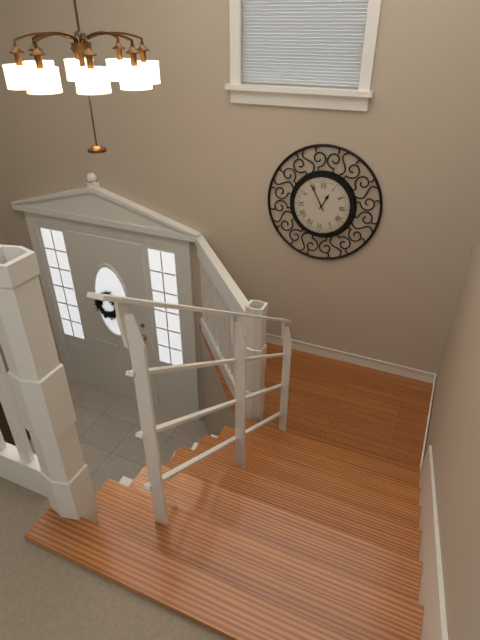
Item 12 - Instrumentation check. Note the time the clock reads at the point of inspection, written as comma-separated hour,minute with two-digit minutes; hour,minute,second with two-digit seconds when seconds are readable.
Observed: 12,55
